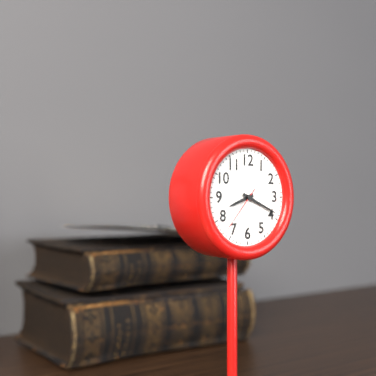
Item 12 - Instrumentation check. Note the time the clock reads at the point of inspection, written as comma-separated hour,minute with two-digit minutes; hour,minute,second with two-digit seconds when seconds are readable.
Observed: 8,19
